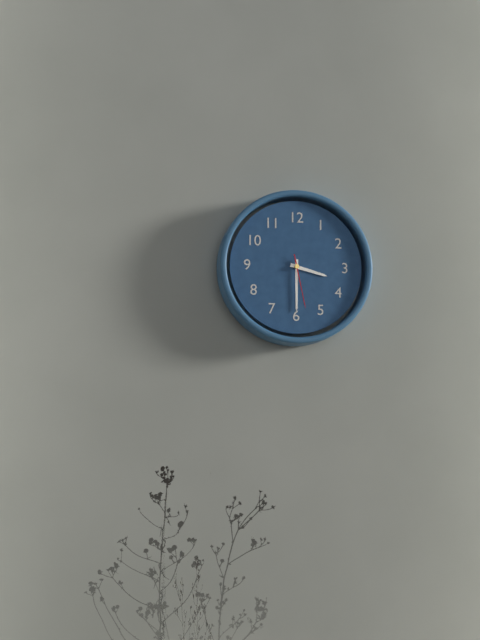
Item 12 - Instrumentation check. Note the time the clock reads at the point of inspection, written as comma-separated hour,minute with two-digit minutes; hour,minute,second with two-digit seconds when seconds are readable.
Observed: 3,30,28
